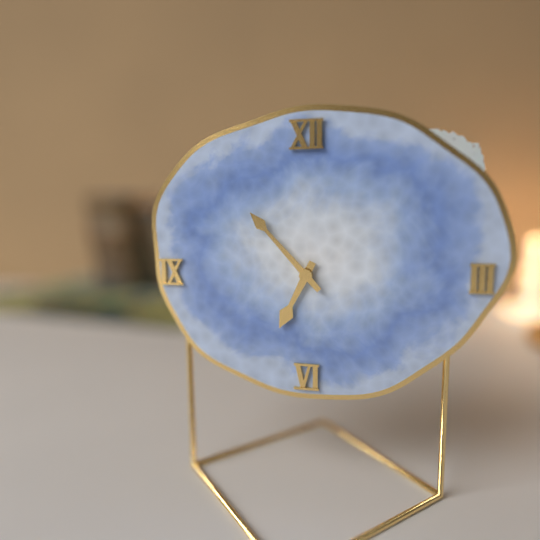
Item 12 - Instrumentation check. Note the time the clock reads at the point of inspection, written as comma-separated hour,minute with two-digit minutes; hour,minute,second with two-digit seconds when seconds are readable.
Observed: 6,53
